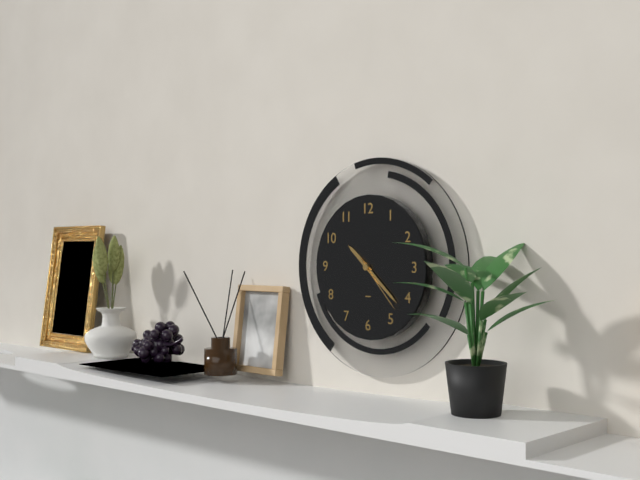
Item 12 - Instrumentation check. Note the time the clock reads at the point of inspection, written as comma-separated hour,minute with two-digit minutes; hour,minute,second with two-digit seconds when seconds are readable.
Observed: 10,22,23
